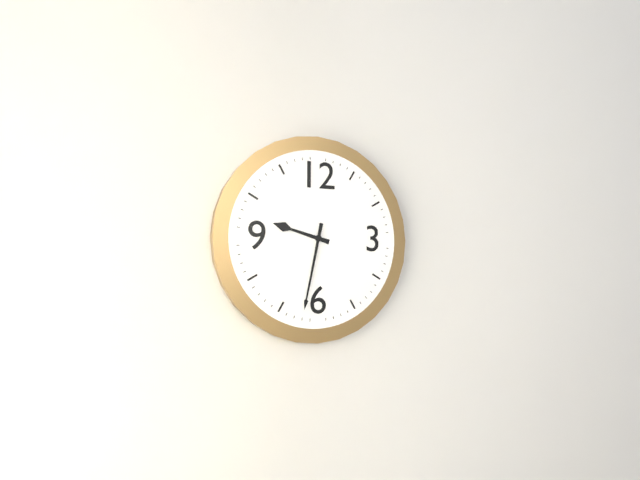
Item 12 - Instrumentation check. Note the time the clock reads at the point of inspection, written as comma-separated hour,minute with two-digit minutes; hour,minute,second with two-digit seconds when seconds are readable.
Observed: 9,32
